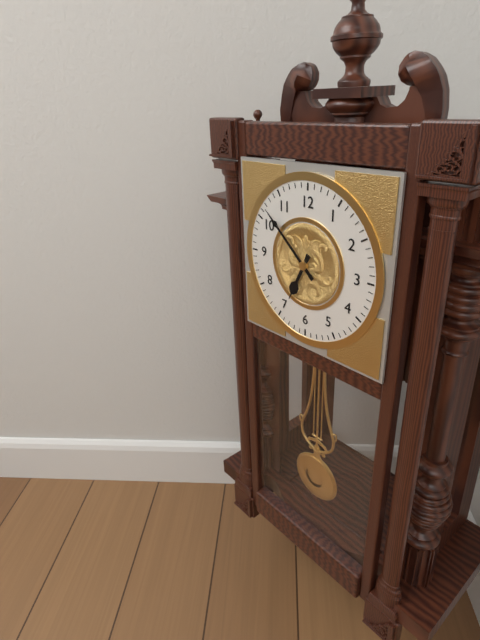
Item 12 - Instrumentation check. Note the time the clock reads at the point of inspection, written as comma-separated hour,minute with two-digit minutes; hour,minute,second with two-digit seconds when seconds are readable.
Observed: 6,52
